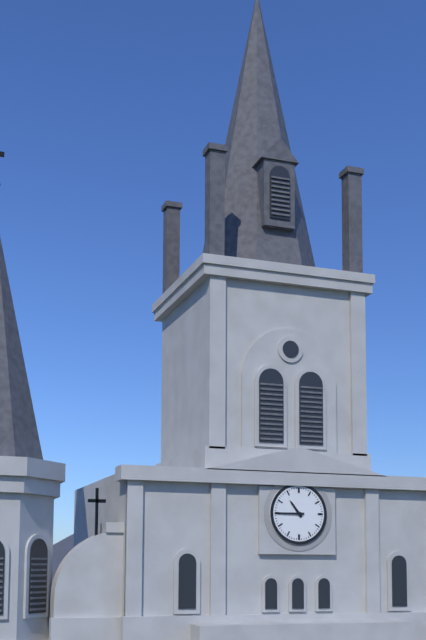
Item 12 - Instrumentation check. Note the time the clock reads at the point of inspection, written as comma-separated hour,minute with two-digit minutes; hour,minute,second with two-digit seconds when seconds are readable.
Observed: 10,45
